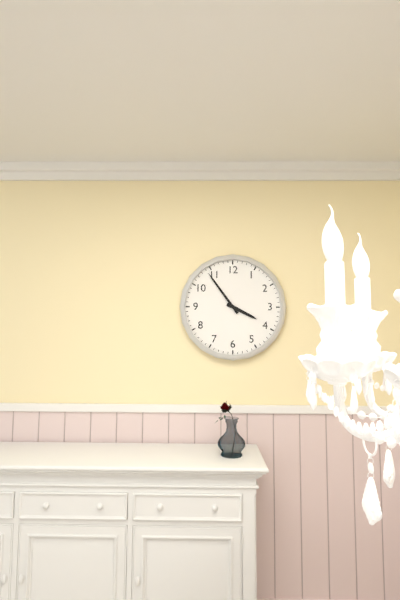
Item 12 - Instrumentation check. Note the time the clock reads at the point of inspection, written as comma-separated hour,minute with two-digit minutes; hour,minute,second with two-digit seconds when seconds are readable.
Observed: 3,54
